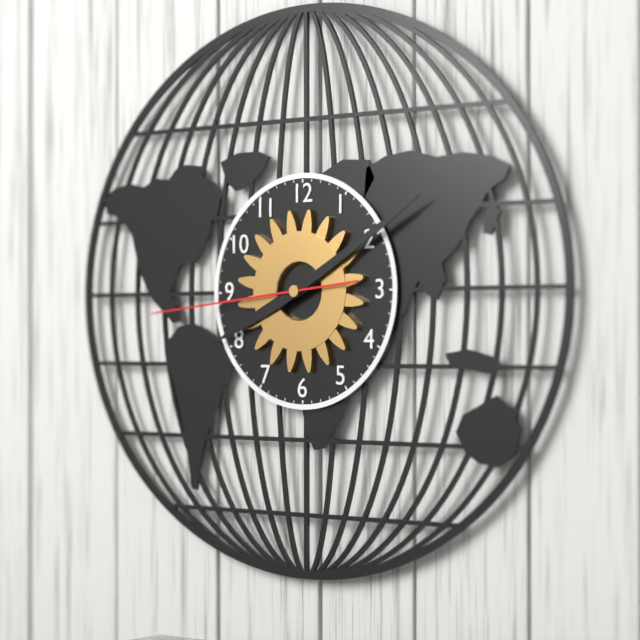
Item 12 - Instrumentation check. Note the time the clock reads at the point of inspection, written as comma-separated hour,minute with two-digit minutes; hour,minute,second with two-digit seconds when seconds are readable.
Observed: 8,10,44
